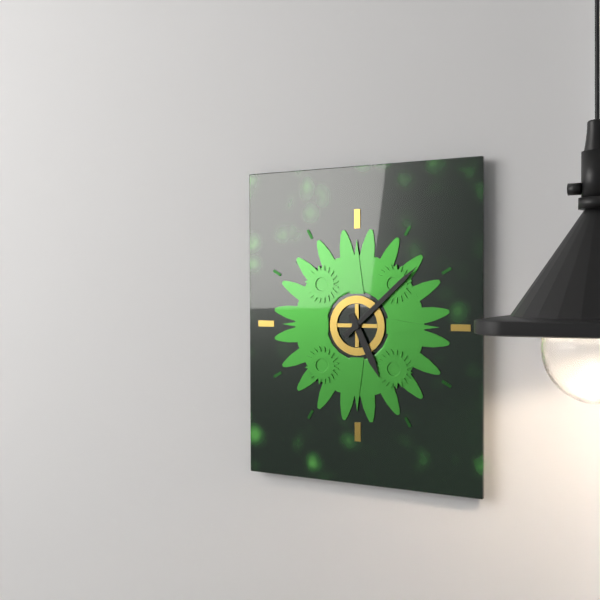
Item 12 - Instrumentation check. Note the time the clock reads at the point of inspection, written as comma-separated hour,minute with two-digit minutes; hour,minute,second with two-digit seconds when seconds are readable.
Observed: 5,08
